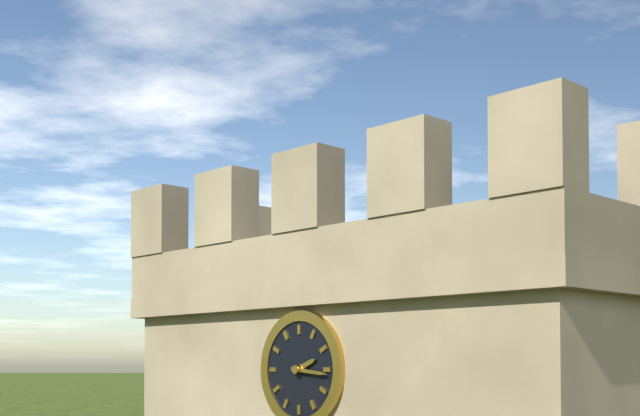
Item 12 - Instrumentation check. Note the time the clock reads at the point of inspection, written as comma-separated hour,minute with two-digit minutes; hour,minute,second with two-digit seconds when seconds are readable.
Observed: 2,16
